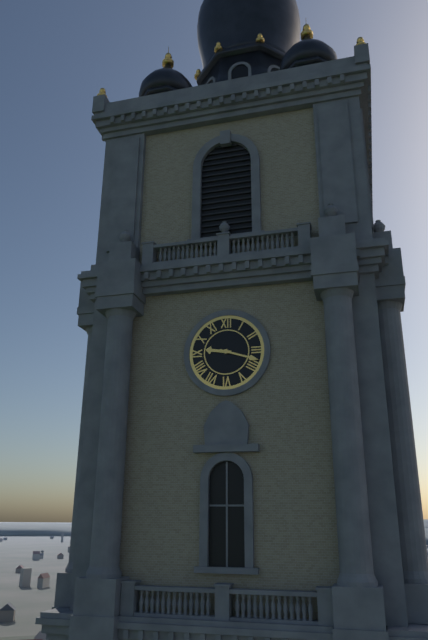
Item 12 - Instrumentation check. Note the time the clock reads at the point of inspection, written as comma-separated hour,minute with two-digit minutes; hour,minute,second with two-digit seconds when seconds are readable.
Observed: 9,18
